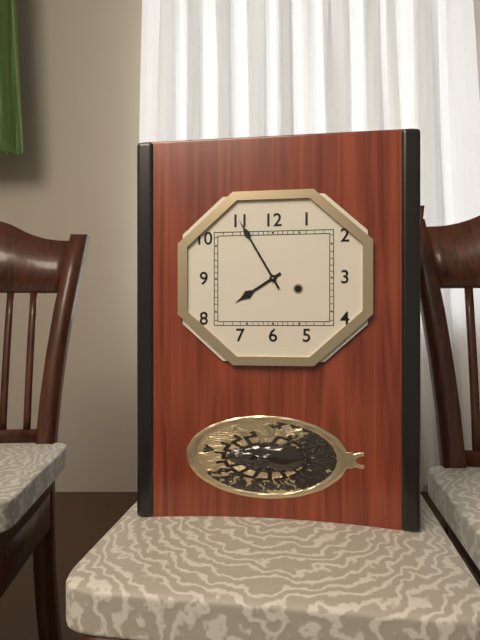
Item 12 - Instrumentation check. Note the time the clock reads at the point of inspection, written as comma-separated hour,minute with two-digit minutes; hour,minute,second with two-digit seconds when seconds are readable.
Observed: 7,55
